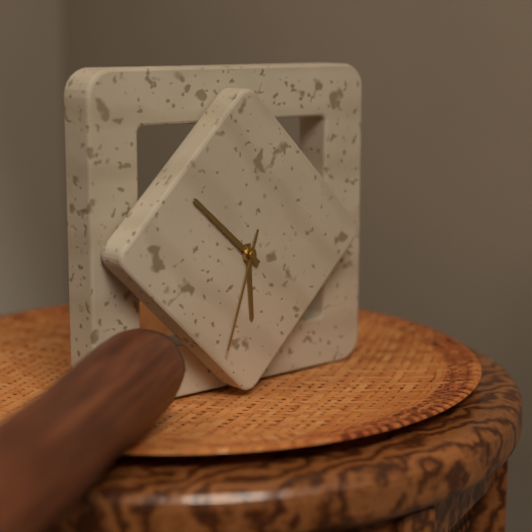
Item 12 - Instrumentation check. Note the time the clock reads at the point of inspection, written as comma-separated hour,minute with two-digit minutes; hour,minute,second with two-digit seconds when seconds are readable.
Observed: 5,52,33
